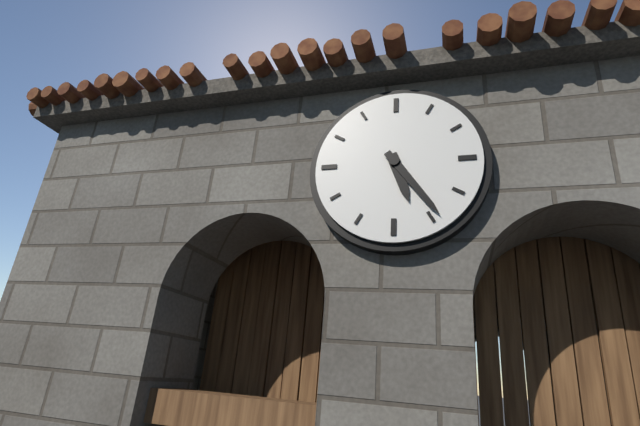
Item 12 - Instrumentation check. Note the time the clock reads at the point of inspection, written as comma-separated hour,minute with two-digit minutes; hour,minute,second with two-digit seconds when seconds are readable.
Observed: 5,24
